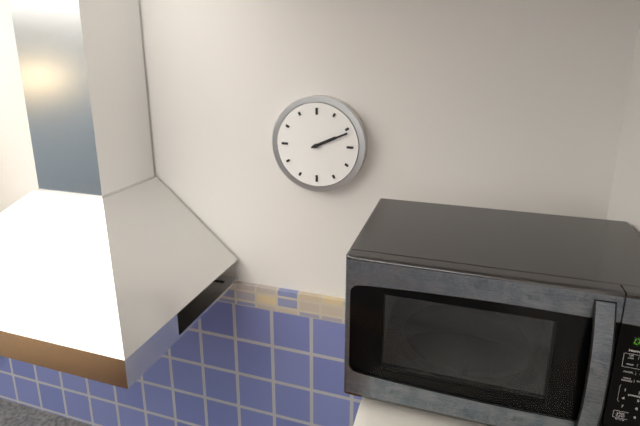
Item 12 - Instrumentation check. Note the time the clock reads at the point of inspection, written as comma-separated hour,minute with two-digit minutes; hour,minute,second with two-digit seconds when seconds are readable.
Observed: 2,11
